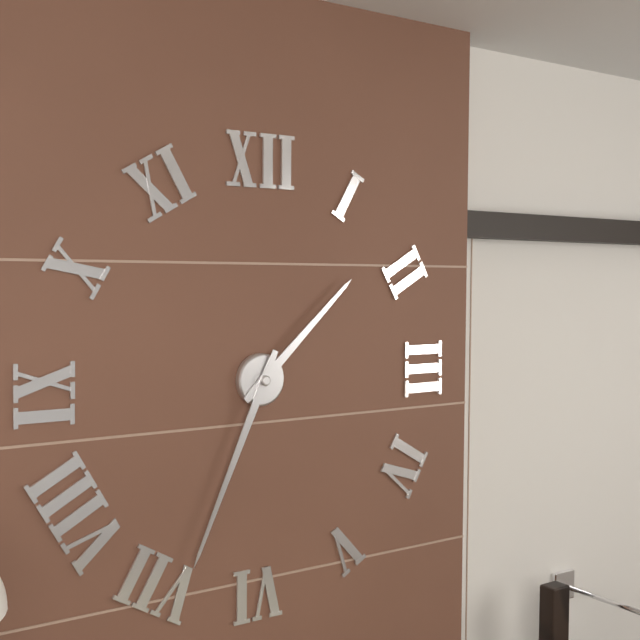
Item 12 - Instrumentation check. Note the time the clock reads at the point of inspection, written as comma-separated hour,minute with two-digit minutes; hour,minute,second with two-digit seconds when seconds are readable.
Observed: 1,34
